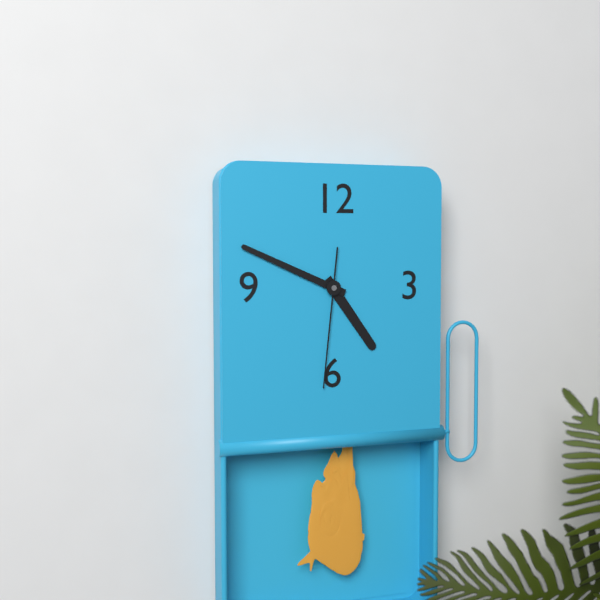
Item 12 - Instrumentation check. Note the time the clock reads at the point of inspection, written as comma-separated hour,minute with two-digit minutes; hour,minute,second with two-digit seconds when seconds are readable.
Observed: 4,49,31
